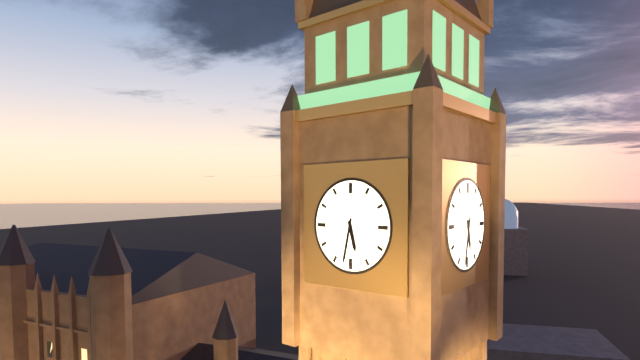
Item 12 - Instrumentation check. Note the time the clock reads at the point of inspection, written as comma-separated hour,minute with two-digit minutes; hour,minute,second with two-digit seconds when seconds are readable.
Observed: 5,32
